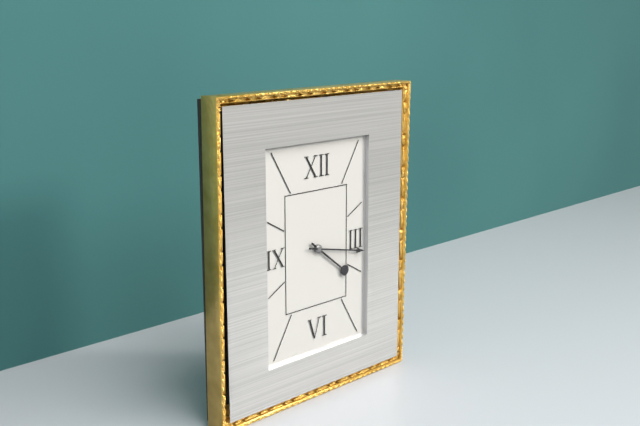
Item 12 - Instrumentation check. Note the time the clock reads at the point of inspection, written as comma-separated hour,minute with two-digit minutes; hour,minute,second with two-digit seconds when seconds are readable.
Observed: 4,17
